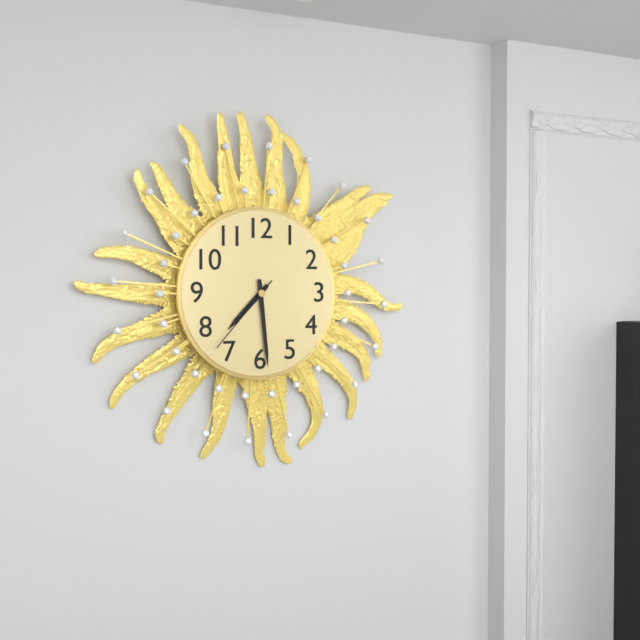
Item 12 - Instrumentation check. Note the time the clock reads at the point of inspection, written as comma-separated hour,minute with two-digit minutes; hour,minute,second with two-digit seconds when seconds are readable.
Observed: 7,29,37
